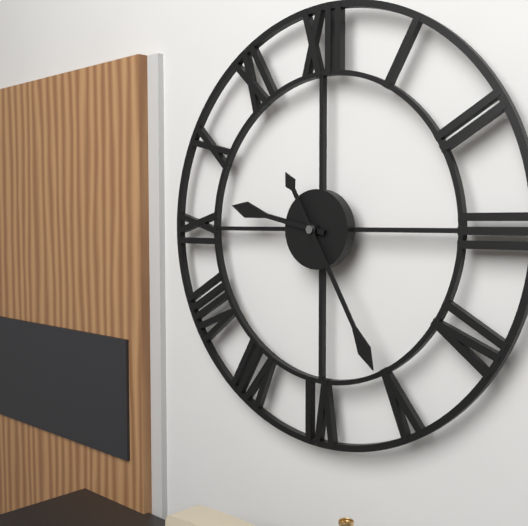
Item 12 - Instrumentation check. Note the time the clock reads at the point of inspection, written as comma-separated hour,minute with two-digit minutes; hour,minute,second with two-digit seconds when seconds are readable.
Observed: 9,25
